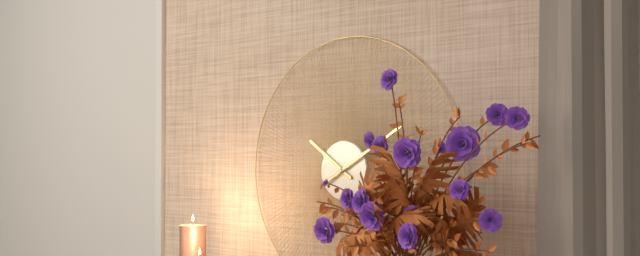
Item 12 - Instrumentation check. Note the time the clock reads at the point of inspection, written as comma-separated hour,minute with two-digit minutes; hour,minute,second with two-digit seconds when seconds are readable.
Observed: 10,10
